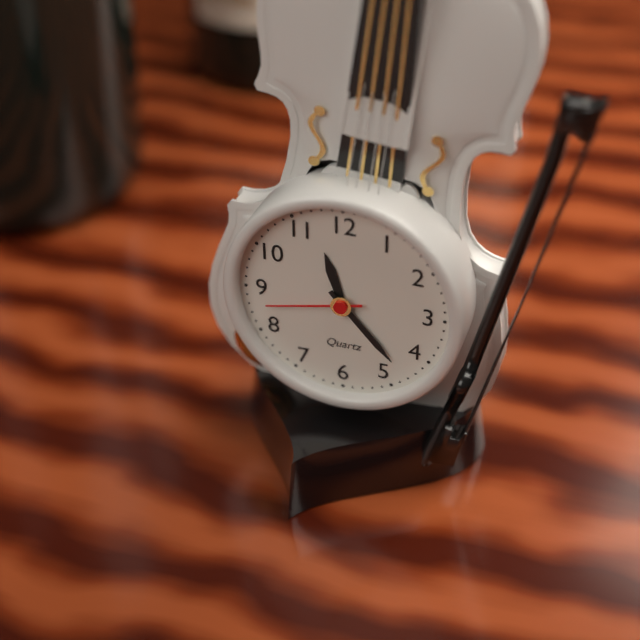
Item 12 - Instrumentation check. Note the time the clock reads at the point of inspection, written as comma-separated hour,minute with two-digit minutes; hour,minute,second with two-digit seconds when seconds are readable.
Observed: 11,23,43
